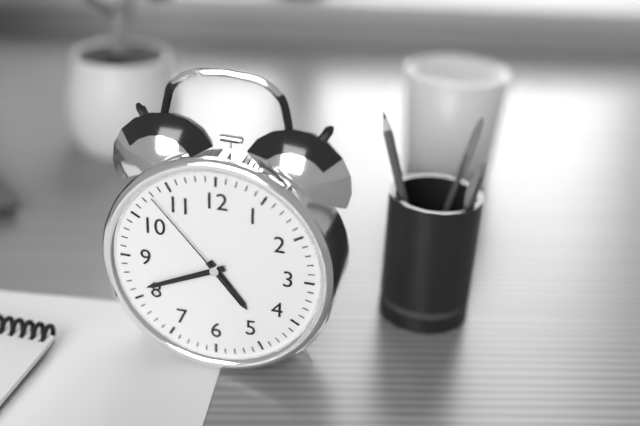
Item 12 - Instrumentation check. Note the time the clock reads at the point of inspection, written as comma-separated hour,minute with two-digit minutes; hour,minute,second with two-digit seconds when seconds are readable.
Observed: 4,41,53
